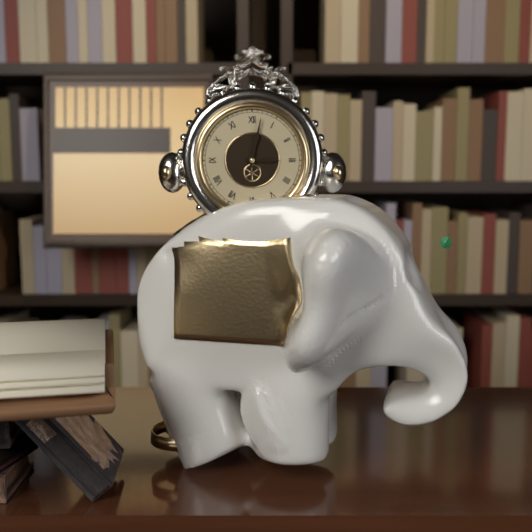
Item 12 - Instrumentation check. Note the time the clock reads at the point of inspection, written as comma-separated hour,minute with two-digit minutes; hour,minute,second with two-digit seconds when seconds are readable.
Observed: 3,02
